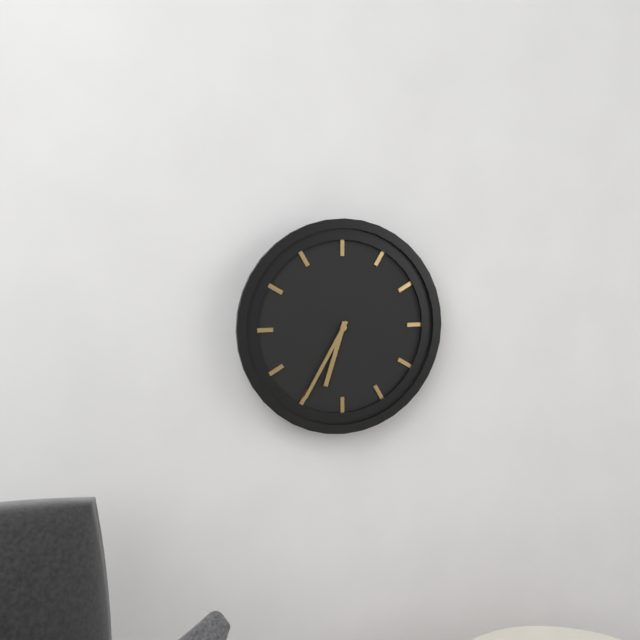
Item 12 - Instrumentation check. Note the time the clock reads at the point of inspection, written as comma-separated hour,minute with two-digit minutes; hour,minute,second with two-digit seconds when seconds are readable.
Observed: 6,35
